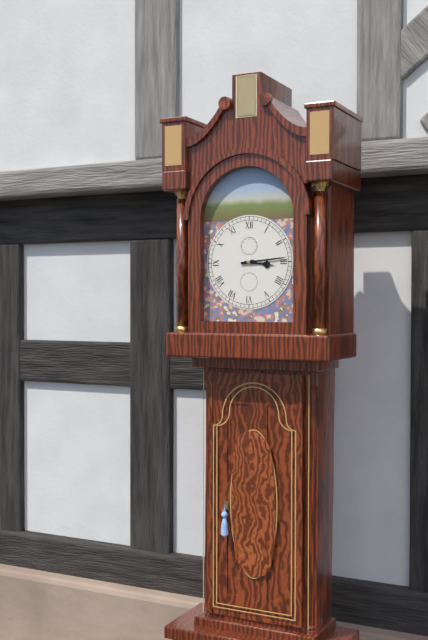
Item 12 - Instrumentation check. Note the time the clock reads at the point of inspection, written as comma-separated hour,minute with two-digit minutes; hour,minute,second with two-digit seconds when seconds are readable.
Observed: 3,14
